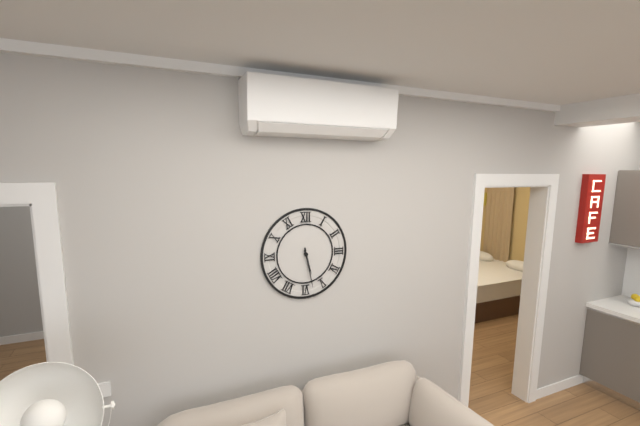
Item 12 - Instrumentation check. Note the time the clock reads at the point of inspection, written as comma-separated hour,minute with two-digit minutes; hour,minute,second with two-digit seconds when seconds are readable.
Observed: 5,28
